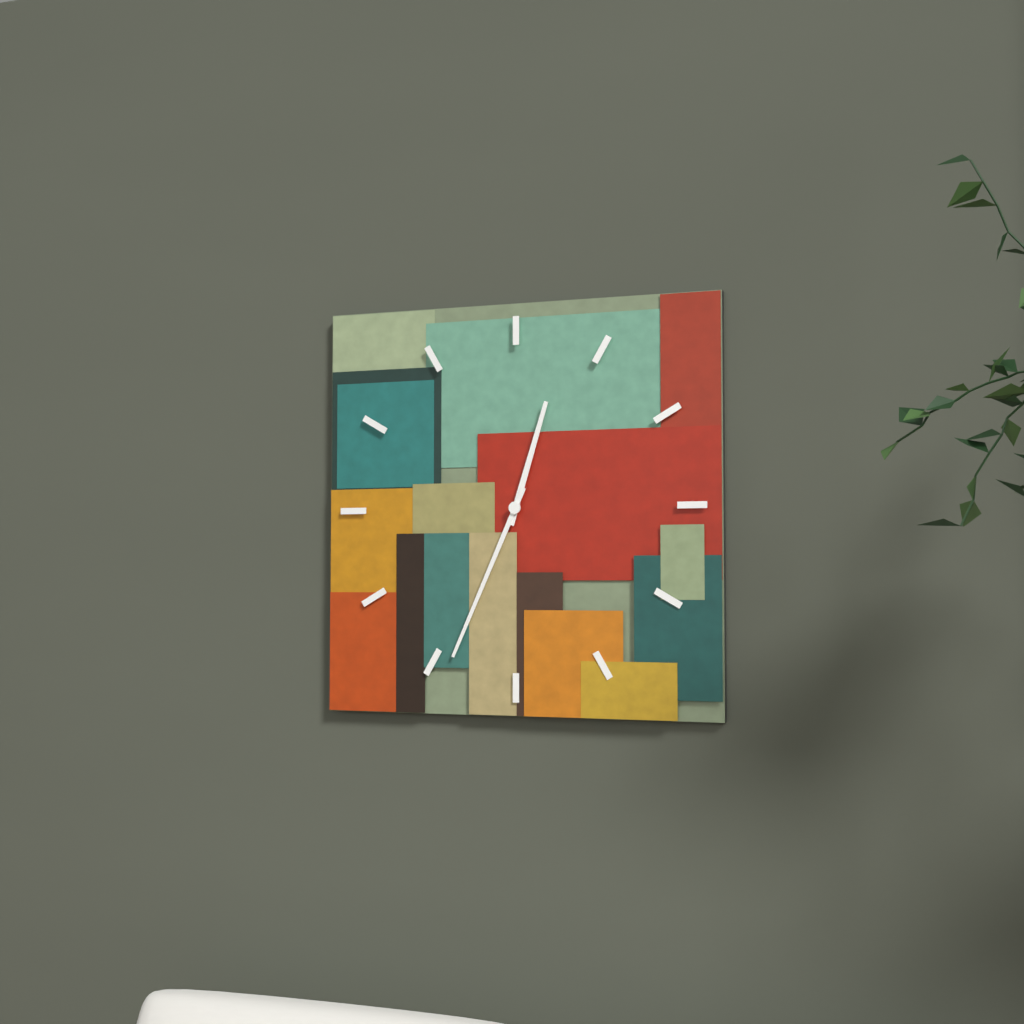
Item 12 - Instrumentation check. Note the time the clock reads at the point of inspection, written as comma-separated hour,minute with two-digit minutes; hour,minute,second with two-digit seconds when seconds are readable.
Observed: 12,34
